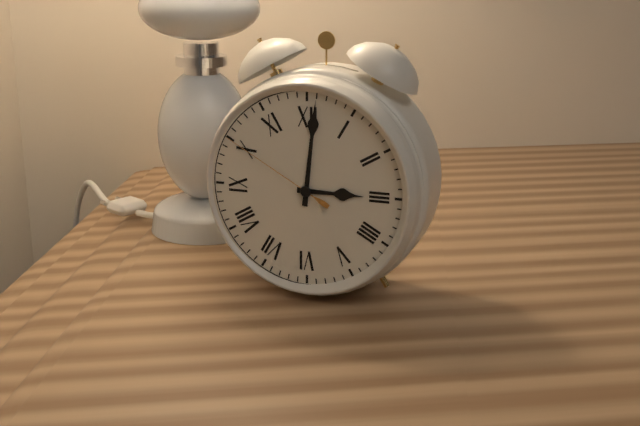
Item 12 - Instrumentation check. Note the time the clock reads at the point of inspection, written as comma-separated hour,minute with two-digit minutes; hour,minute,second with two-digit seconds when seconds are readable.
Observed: 3,01,50
